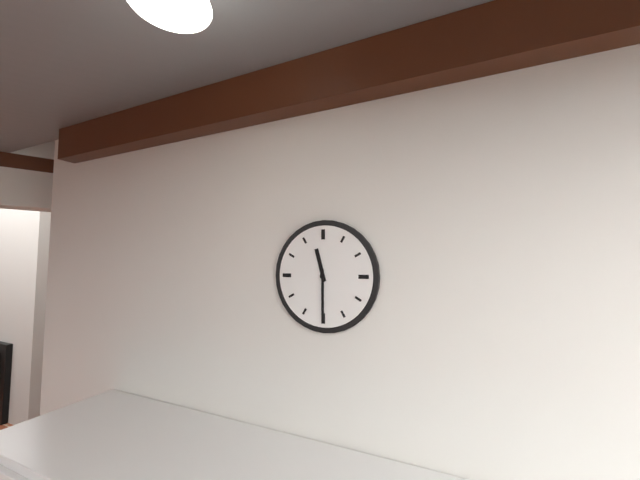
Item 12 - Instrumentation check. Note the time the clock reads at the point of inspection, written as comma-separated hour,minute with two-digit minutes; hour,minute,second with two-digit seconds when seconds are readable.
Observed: 11,30
